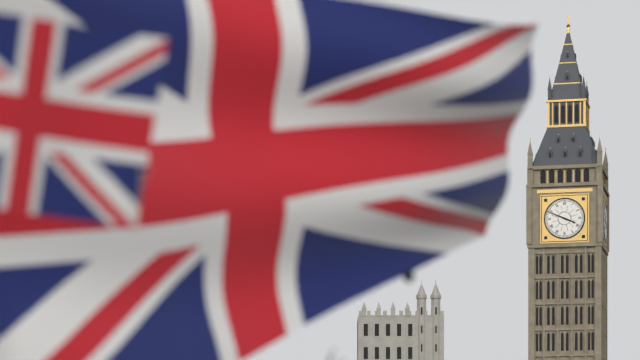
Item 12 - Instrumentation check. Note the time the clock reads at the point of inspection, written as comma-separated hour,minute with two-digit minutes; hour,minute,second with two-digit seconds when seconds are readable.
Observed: 3,49
